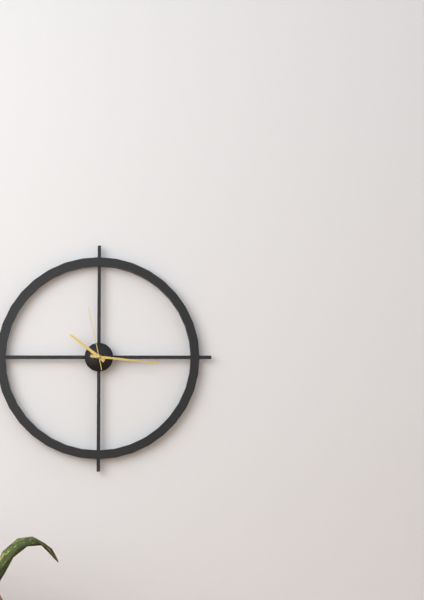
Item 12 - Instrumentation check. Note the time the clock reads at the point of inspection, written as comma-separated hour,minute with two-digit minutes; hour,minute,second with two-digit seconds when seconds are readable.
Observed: 10,16,58
